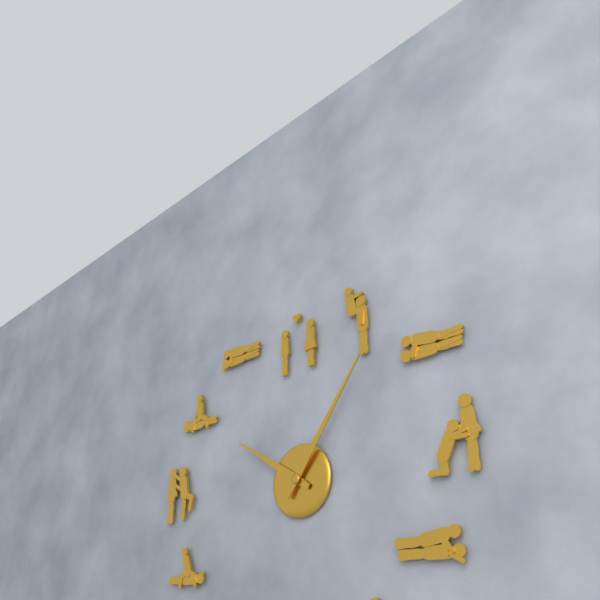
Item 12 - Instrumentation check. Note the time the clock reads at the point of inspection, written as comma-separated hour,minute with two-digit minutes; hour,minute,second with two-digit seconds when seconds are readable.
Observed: 10,06
